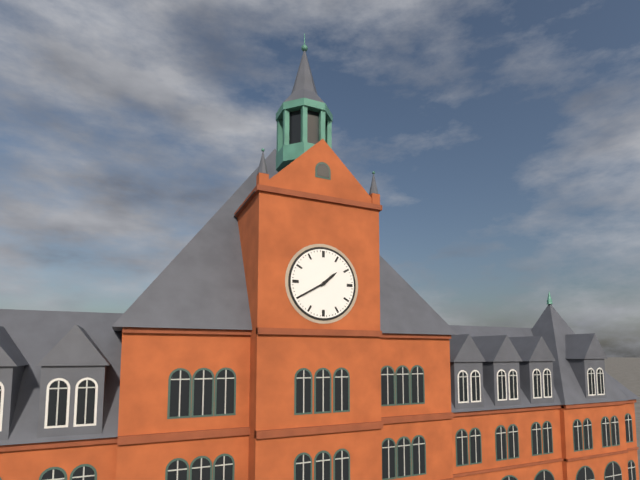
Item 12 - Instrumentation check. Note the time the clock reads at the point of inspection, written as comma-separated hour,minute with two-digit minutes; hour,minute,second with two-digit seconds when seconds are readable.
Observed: 1,40
